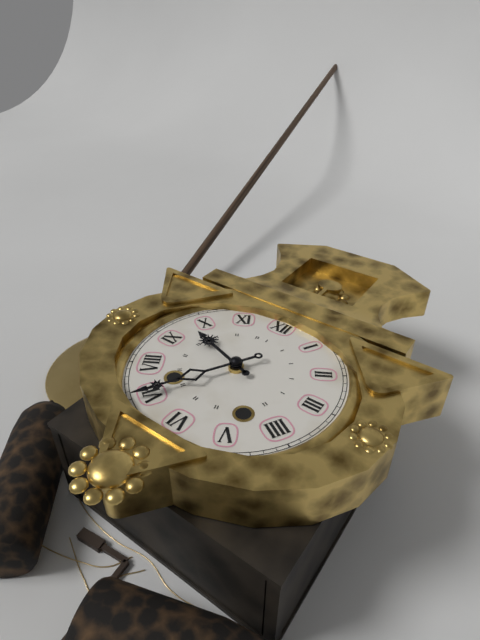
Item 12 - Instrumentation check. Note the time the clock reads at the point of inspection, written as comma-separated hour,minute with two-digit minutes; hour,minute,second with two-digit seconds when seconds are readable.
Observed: 9,35
